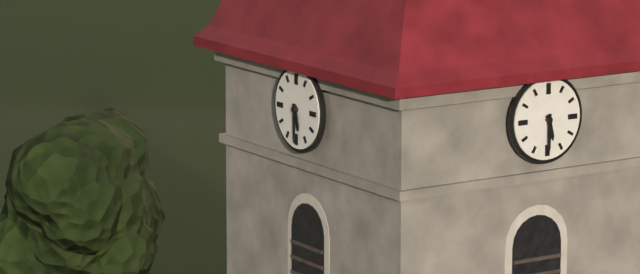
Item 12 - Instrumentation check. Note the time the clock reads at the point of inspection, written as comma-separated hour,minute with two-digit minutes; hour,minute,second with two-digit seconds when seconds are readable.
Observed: 5,30
